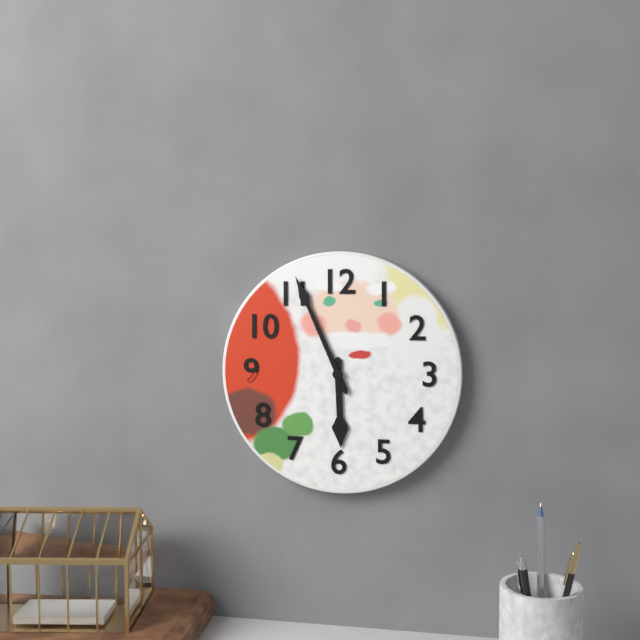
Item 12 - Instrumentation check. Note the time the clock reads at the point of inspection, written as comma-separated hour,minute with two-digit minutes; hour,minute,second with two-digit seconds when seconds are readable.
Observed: 5,56
